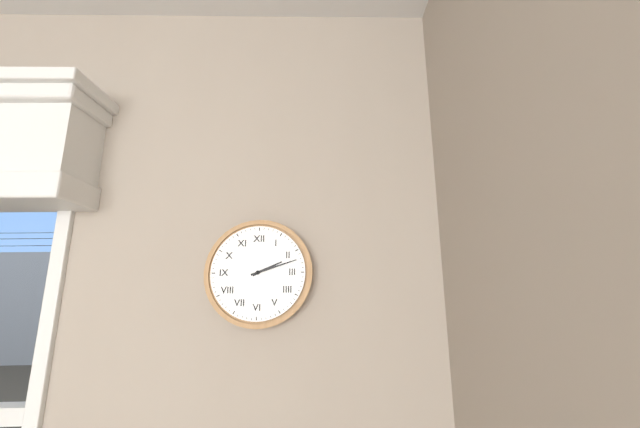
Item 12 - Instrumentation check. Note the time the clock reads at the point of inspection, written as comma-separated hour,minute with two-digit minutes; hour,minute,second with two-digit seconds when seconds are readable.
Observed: 2,12
